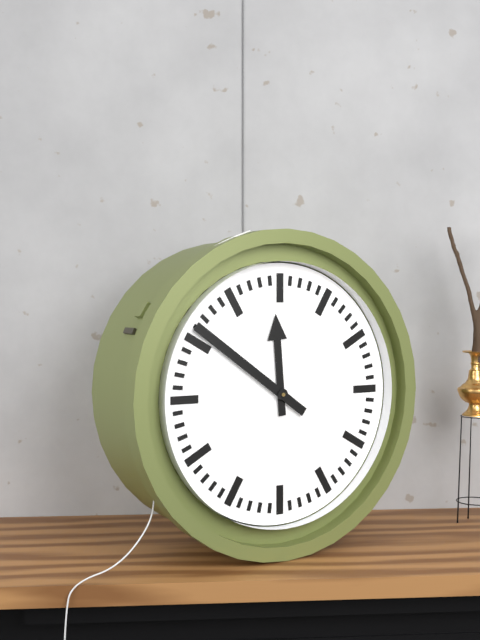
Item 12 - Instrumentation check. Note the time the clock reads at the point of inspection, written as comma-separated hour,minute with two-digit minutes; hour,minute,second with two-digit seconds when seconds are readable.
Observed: 11,51
